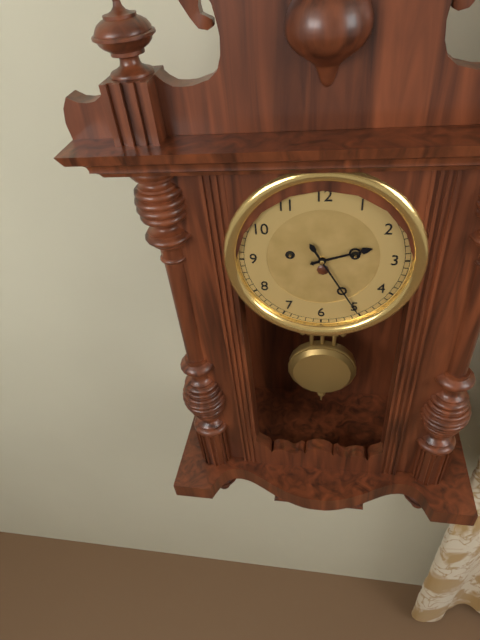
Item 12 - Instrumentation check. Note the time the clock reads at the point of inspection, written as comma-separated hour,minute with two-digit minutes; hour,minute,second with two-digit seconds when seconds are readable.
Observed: 2,25
